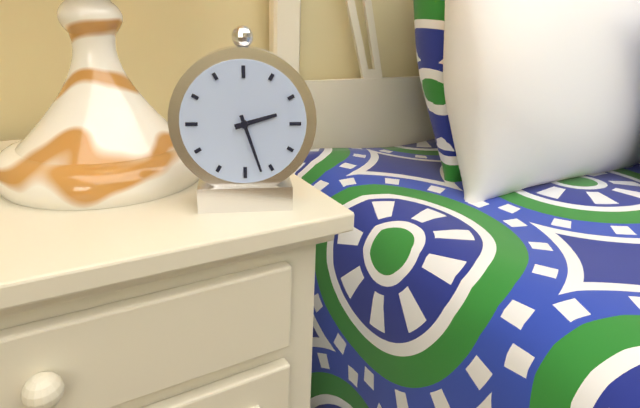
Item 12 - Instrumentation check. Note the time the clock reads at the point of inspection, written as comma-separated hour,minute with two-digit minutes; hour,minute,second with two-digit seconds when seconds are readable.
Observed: 2,27
